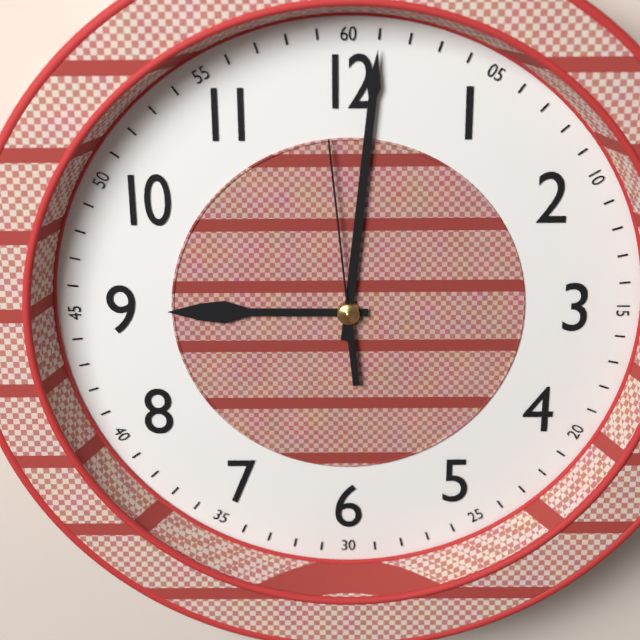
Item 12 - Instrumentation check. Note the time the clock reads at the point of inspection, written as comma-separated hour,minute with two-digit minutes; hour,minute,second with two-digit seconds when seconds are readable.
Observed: 9,01,59
